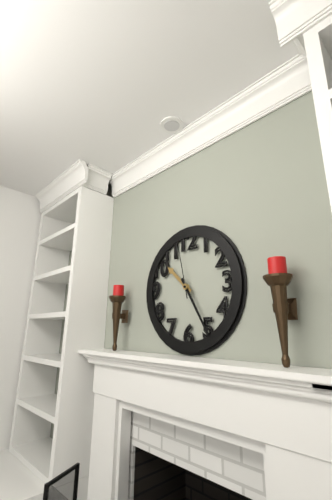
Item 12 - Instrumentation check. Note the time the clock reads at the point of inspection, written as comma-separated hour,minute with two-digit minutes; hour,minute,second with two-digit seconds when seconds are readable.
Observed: 10,25,58
